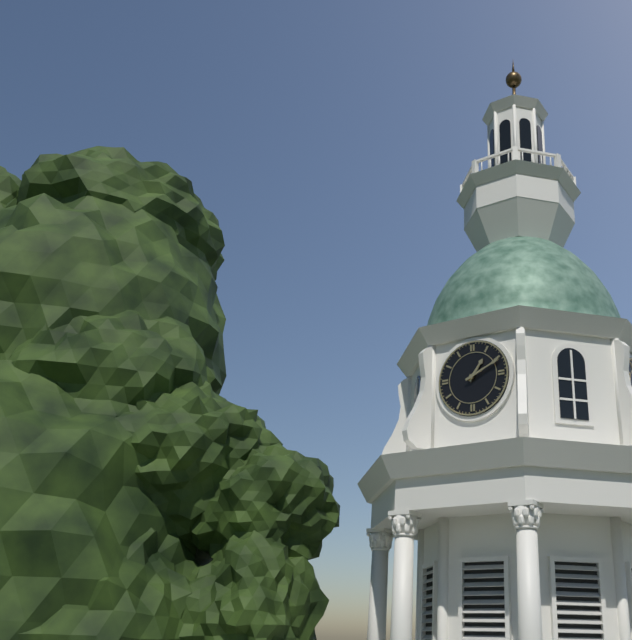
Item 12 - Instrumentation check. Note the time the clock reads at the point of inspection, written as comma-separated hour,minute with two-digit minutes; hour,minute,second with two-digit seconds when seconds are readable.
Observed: 1,11
